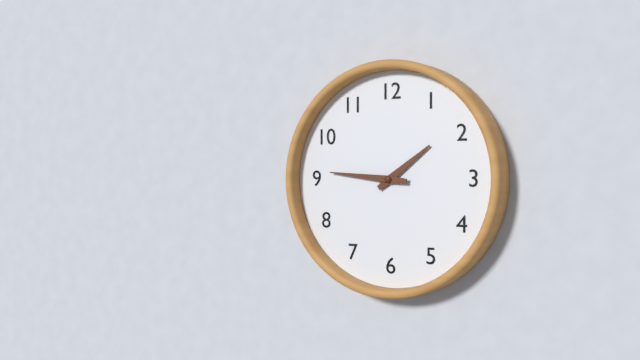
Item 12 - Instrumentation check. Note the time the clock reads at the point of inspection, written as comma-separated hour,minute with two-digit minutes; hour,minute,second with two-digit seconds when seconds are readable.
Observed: 1,46
